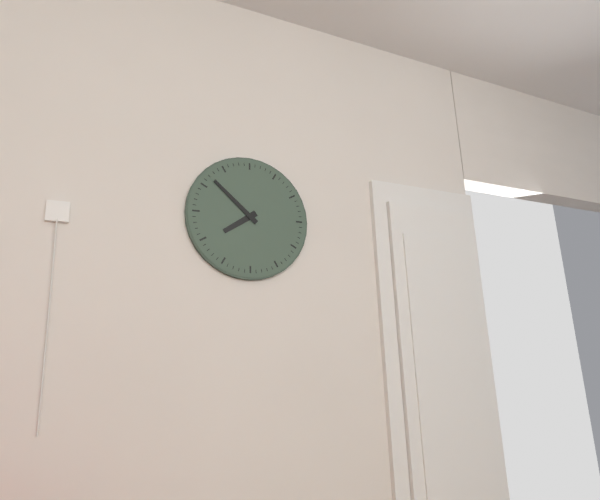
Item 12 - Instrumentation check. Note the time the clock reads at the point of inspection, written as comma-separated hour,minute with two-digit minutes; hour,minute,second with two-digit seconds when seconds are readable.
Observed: 7,52
